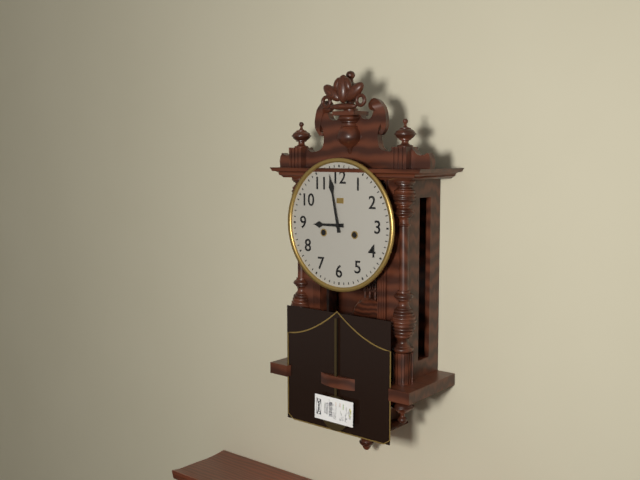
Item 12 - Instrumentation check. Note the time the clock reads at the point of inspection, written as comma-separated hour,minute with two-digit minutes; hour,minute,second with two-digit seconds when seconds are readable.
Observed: 8,58
